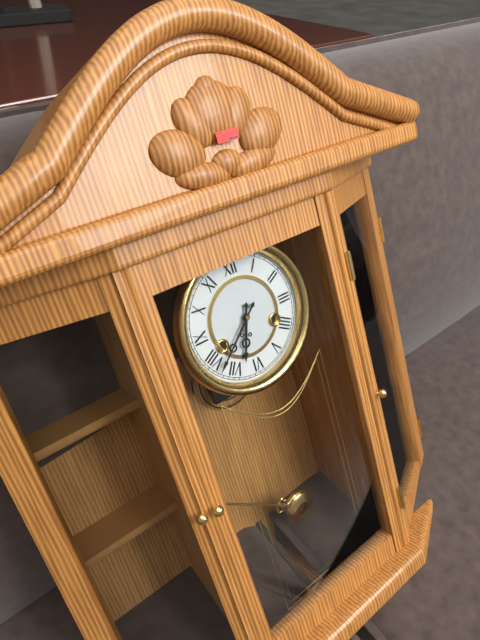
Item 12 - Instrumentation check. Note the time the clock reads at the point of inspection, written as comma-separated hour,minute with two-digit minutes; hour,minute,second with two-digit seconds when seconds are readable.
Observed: 6,38
